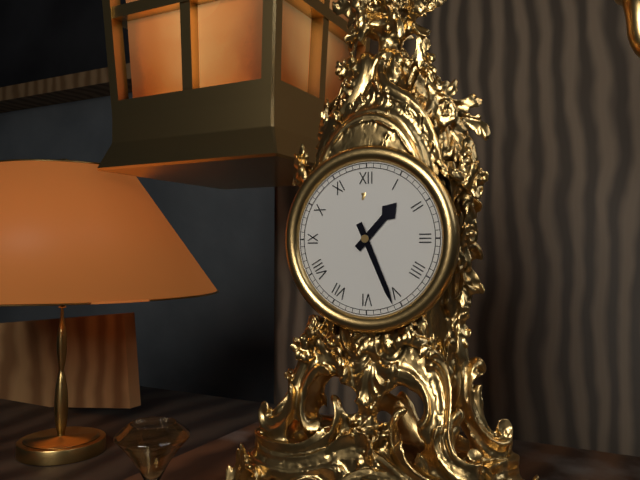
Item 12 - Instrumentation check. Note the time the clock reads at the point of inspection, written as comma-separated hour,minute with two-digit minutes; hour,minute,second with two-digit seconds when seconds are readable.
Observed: 1,26
